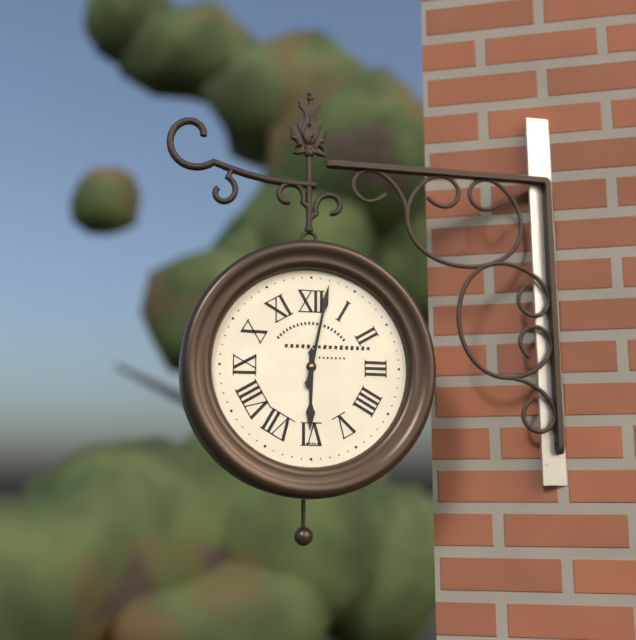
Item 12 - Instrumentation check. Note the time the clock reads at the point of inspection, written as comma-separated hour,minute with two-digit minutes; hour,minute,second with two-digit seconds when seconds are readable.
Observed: 6,02
